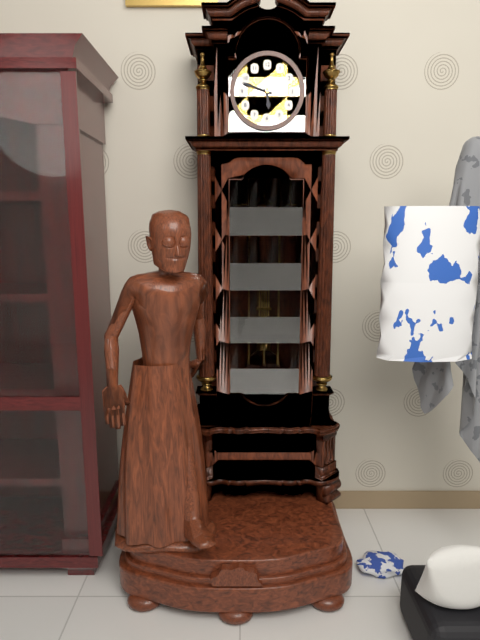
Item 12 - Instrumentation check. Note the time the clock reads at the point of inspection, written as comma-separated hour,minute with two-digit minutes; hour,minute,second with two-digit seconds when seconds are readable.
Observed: 5,48
